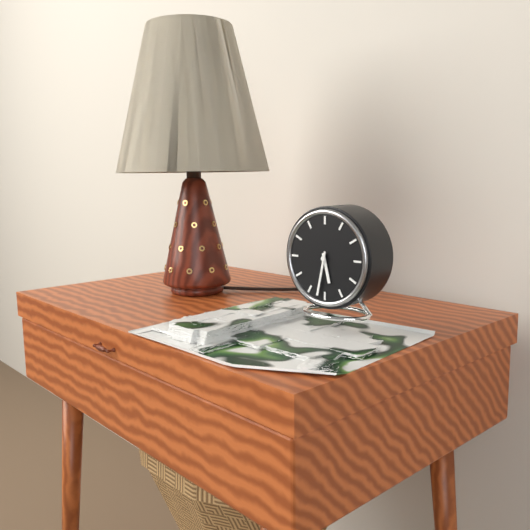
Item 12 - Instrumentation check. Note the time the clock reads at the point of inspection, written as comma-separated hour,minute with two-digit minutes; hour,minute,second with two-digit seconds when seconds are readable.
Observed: 5,32
